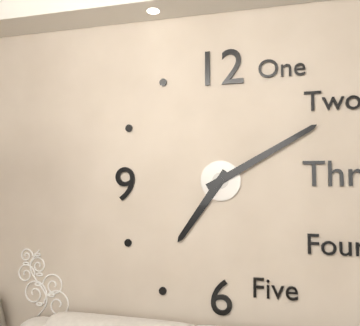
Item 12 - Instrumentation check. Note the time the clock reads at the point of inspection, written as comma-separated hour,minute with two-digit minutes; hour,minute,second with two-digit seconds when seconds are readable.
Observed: 7,10
